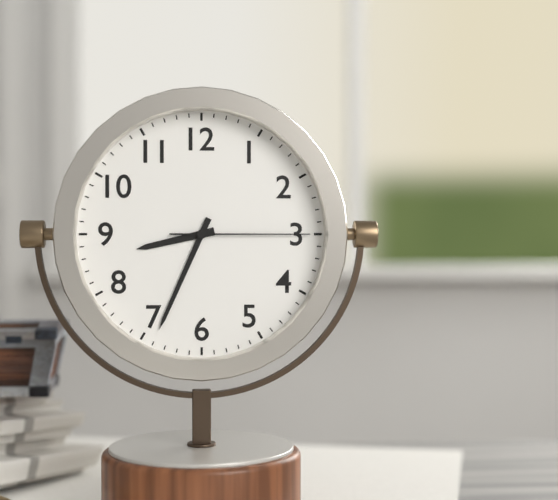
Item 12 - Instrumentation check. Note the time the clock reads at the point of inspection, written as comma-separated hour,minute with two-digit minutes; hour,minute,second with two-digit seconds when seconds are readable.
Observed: 8,34,15
